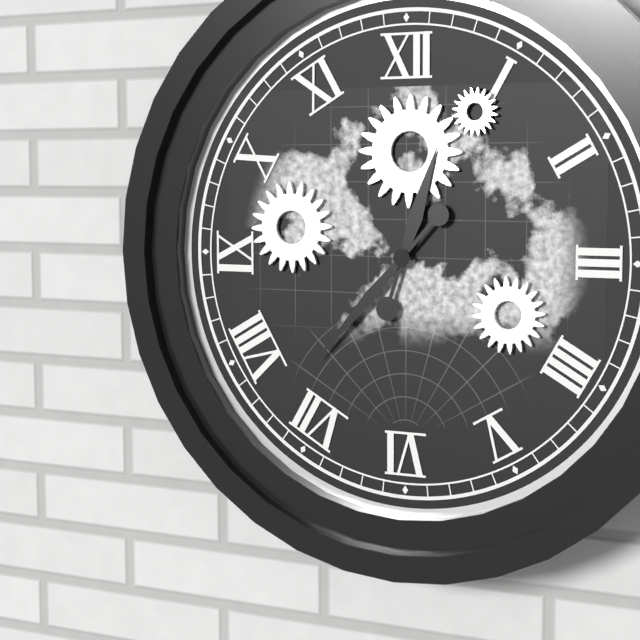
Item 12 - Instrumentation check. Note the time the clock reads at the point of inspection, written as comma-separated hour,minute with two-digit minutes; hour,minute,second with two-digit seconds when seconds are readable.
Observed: 12,37
